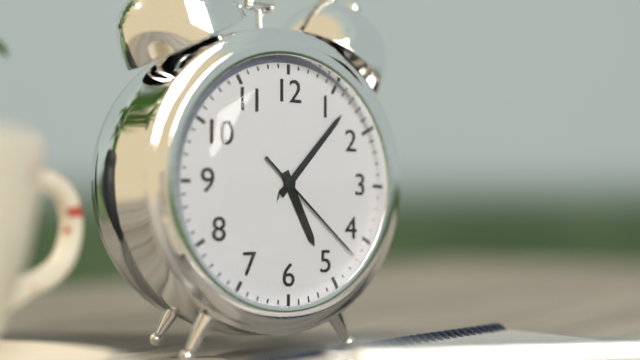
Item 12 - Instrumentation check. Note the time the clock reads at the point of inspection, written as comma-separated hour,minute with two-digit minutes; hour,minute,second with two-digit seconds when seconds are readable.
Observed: 5,07,22
